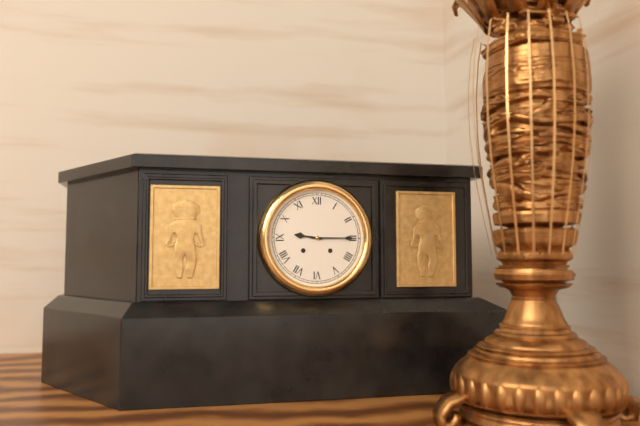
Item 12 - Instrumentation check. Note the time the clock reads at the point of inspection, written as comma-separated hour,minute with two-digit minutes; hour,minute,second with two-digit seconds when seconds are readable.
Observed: 9,15
